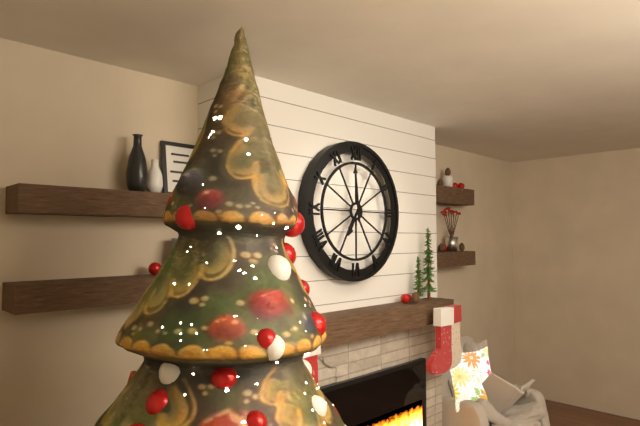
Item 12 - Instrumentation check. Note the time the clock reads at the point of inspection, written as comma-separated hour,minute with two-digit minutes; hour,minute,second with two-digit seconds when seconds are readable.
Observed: 6,59
